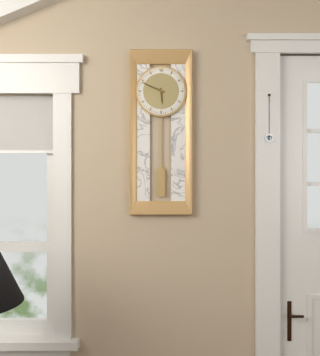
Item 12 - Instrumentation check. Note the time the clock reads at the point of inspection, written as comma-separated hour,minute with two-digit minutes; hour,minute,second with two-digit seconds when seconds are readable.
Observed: 5,49
